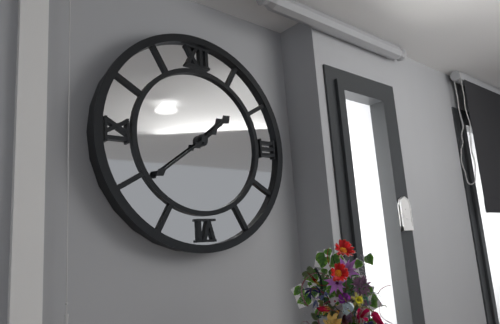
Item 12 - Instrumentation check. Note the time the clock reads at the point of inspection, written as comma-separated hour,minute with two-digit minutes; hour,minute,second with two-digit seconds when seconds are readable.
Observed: 1,39
